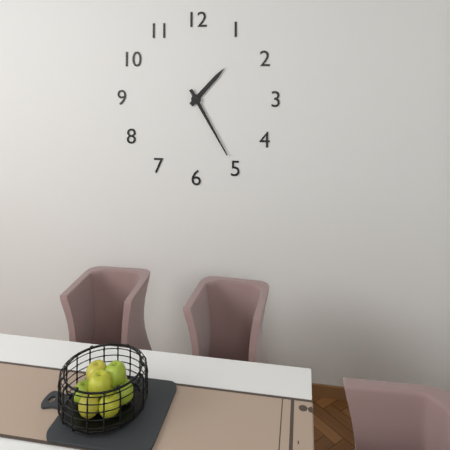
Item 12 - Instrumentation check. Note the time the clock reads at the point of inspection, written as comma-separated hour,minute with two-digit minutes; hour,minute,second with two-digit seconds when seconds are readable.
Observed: 1,25
